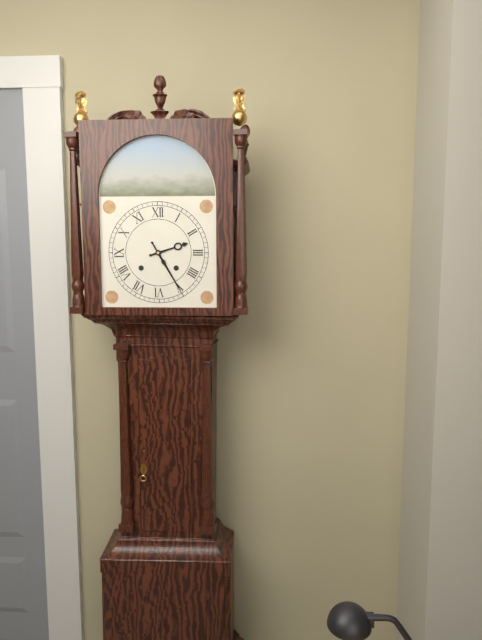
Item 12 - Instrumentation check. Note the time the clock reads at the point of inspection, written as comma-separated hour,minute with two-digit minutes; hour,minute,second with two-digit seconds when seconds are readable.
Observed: 2,25
